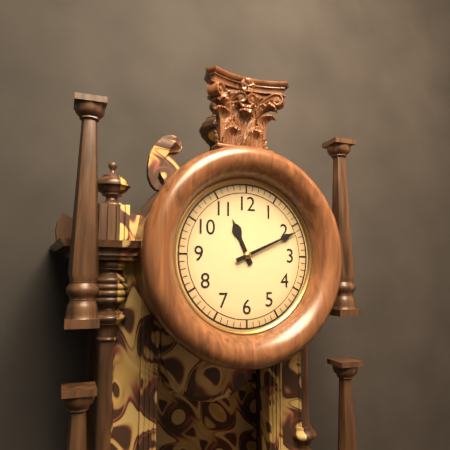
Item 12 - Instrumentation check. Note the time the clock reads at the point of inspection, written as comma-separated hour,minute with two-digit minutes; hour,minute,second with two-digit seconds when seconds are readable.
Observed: 11,11
